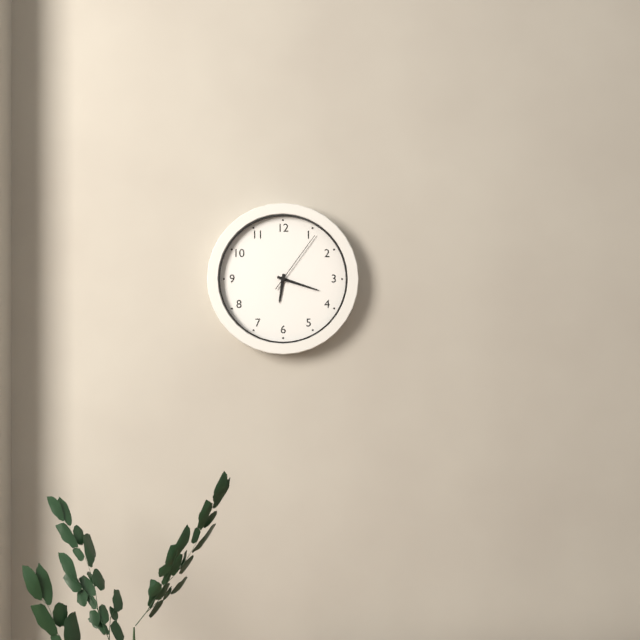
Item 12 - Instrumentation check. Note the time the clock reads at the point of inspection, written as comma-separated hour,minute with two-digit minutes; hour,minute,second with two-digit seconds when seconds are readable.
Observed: 6,18,06
